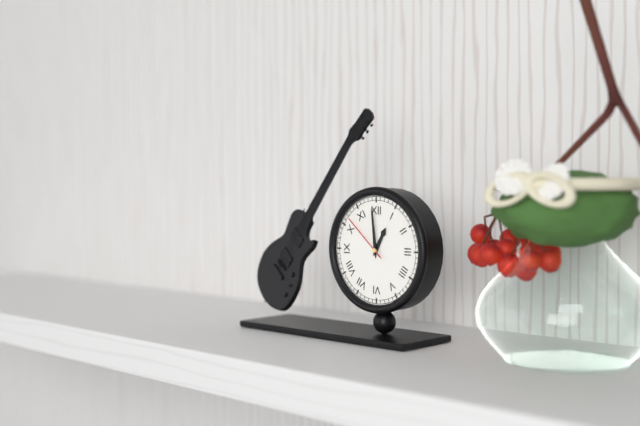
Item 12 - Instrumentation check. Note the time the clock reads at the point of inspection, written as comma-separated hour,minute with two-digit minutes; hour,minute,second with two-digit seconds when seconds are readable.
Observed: 12,59,52
